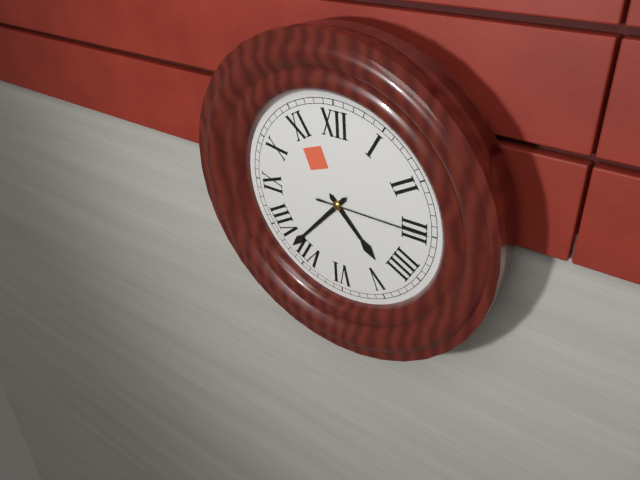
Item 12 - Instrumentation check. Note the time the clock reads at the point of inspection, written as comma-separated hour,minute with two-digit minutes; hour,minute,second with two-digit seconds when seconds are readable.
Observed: 4,37,15
